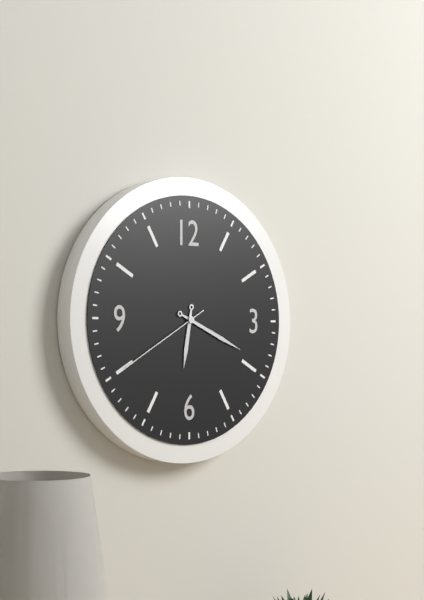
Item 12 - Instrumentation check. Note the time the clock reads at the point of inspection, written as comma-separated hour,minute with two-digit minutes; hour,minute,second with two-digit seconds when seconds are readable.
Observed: 6,19,40
